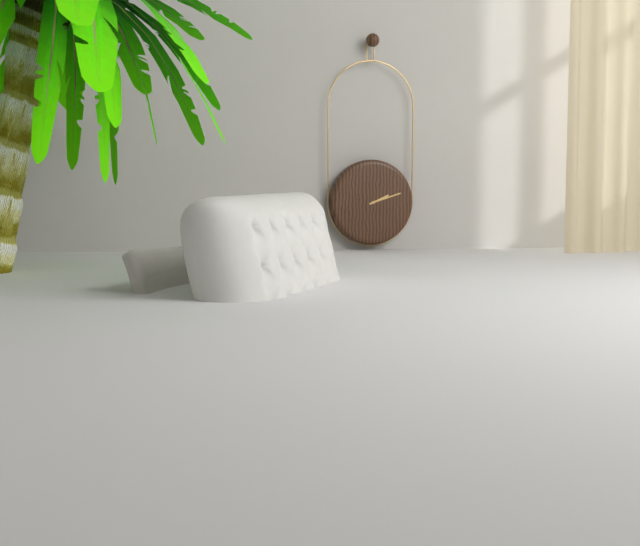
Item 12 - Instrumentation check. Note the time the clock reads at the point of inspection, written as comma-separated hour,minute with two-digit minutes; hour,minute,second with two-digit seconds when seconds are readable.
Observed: 2,12
